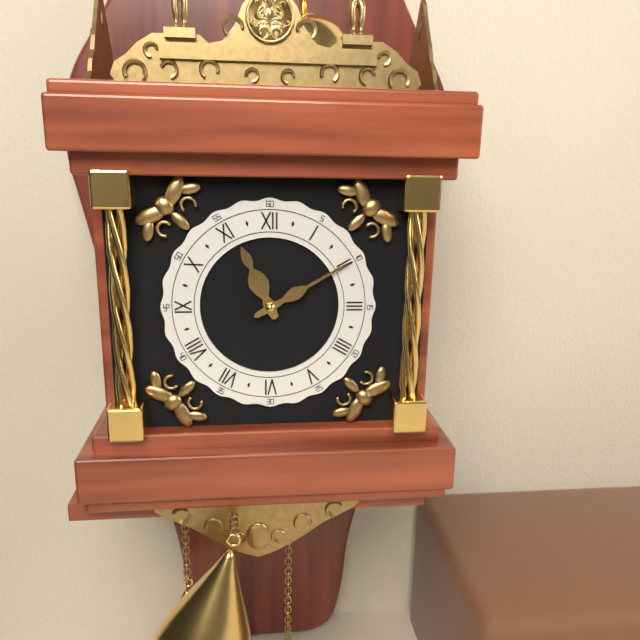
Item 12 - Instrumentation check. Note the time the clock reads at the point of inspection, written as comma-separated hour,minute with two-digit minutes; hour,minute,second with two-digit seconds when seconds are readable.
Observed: 11,10
